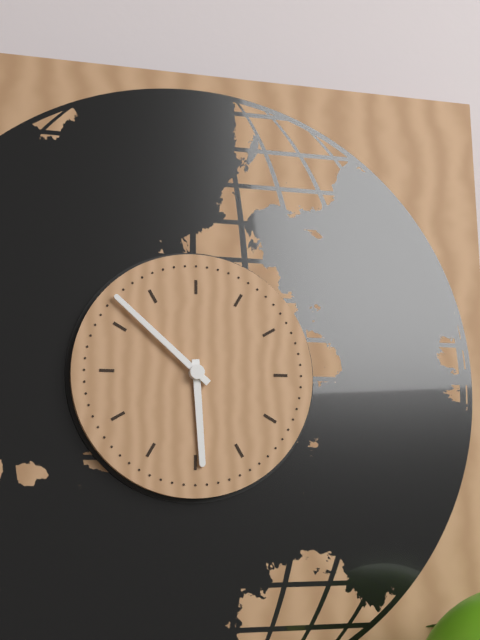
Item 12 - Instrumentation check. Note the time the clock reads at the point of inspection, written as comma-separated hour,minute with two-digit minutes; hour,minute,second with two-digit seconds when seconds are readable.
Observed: 5,52
